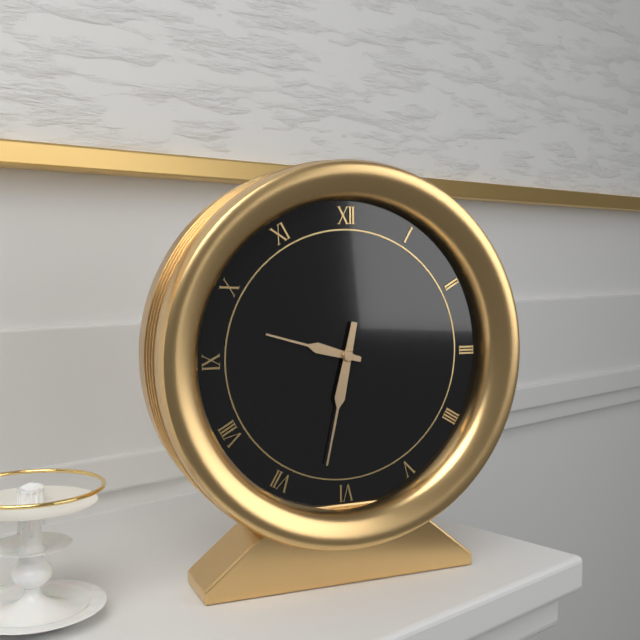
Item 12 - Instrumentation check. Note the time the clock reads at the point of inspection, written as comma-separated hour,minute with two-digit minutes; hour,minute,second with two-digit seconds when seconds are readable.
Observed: 9,32
